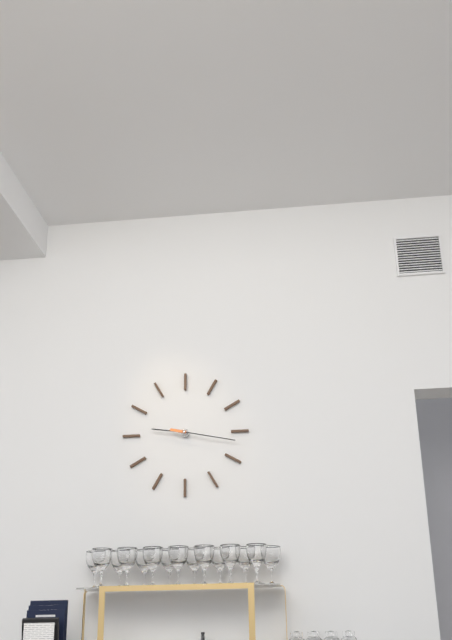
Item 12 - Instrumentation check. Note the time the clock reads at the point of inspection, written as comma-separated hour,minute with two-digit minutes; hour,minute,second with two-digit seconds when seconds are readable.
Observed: 9,17
